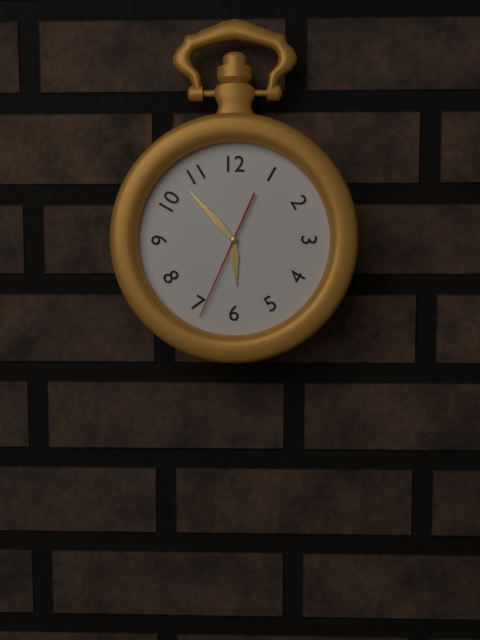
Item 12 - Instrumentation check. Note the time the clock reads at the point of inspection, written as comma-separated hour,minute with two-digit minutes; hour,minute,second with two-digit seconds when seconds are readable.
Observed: 5,53,34
